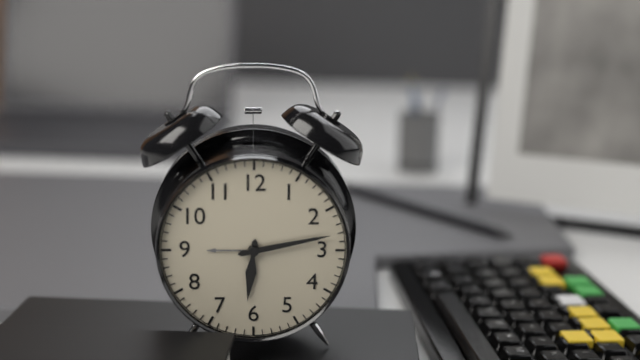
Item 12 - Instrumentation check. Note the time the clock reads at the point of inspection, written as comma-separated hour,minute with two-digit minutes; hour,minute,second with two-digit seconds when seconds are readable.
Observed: 6,13
